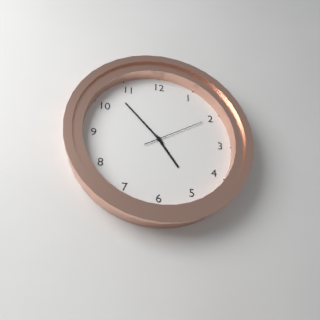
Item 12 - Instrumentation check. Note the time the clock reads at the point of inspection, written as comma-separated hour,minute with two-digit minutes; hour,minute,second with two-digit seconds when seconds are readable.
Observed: 4,53,10
